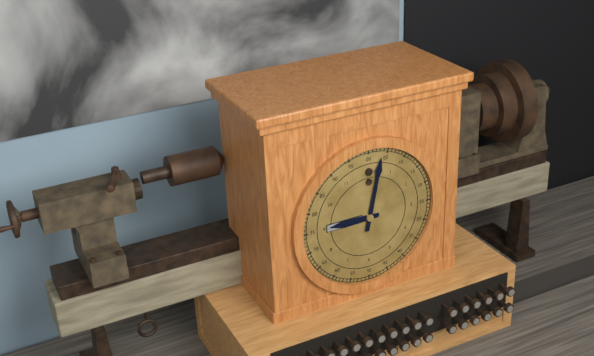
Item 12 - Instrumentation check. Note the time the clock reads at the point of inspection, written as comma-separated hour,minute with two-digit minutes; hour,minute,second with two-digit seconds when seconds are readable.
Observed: 9,02
